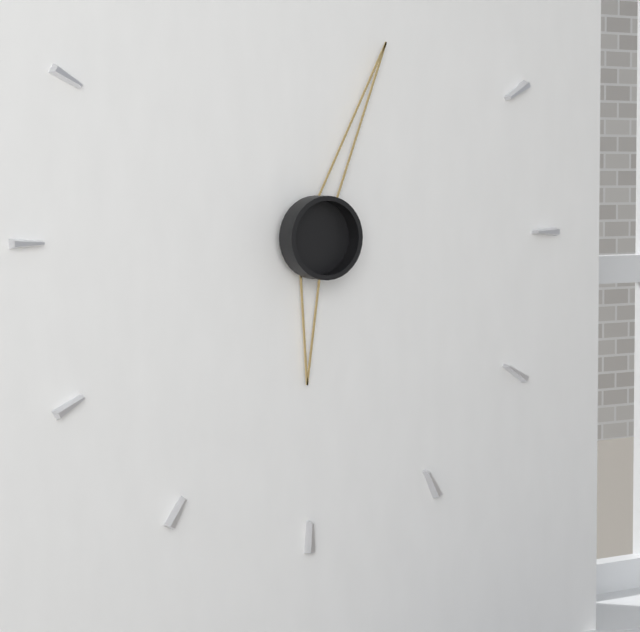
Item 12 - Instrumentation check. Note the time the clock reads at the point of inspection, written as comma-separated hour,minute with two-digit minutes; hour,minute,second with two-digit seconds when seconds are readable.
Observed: 6,04
